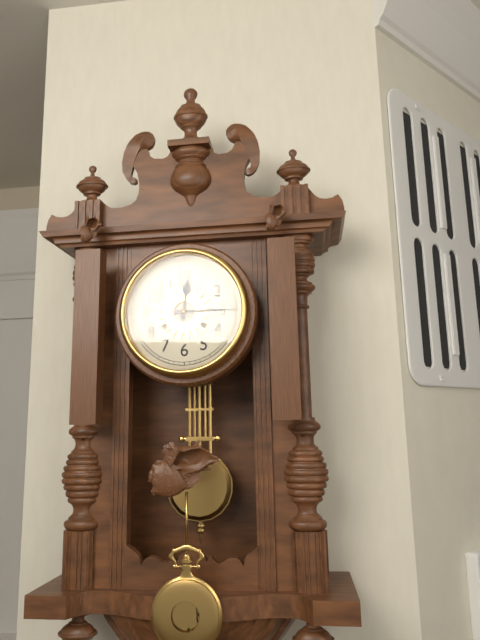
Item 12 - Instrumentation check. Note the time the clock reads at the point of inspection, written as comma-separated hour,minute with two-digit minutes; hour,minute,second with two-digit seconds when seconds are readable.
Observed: 12,15
